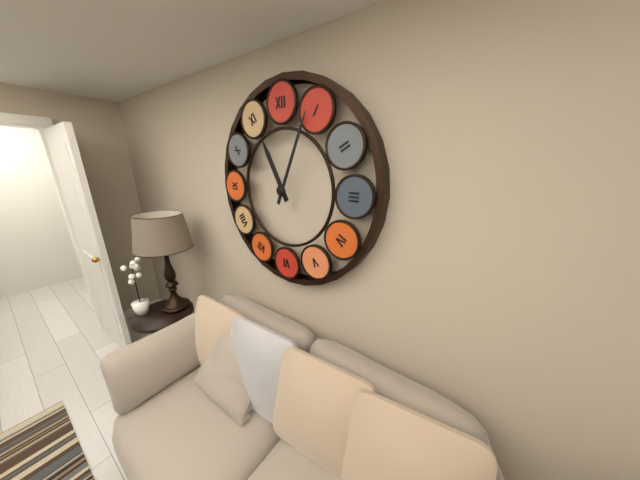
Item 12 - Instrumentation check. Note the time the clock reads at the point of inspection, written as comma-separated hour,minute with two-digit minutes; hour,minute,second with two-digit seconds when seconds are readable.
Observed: 11,04
